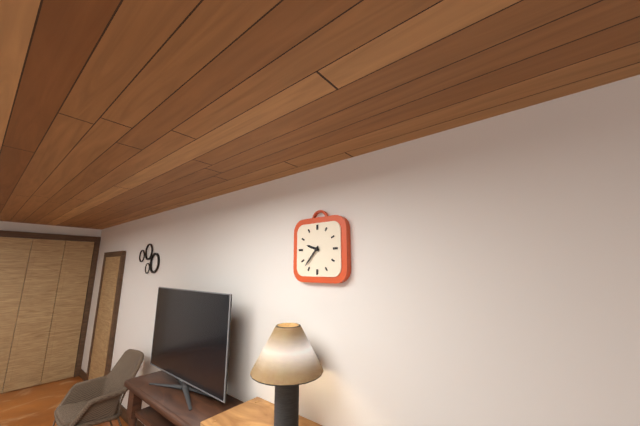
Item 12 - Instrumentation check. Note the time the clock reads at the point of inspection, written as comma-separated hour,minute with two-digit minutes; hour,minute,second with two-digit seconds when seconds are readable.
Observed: 9,37
